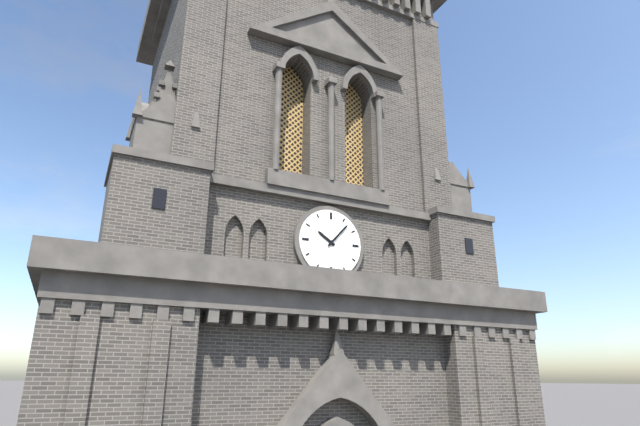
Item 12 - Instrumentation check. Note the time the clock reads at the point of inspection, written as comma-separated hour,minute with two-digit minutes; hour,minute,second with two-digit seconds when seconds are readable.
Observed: 10,07
